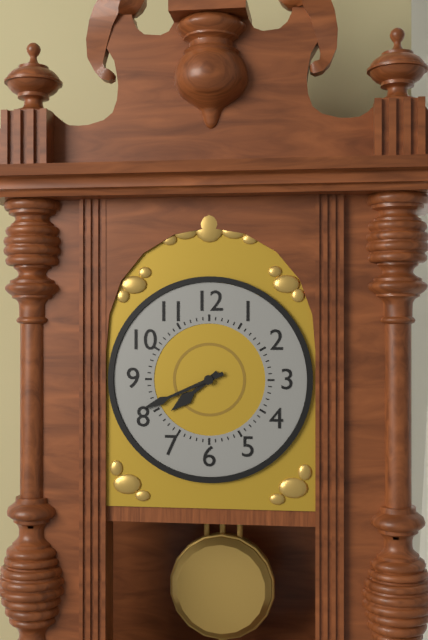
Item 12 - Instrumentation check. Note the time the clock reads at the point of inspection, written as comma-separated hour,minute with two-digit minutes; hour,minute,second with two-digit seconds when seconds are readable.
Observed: 7,41
